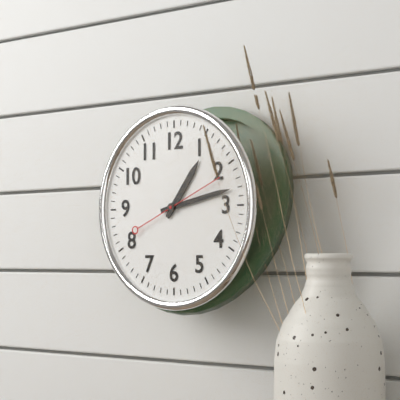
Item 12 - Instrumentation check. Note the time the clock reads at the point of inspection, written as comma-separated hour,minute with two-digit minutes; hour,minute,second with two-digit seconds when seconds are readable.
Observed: 1,13,11
